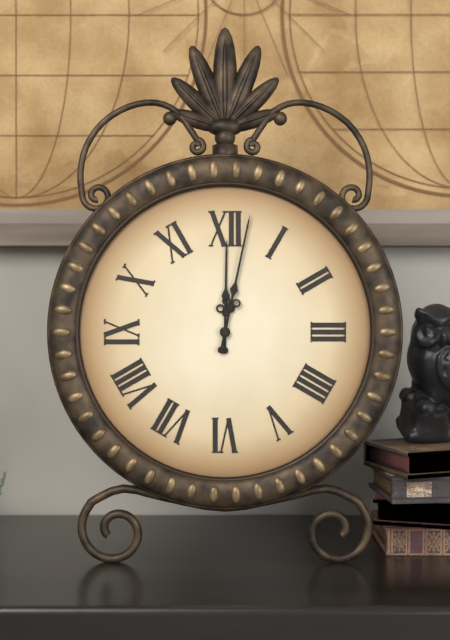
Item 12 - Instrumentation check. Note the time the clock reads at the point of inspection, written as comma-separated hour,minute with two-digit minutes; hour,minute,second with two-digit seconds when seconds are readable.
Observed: 12,02
